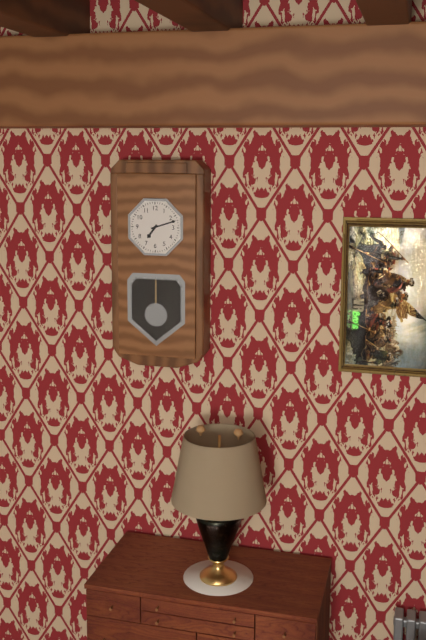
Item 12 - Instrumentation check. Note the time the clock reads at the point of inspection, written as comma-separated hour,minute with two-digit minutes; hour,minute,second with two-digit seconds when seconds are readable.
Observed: 7,12
